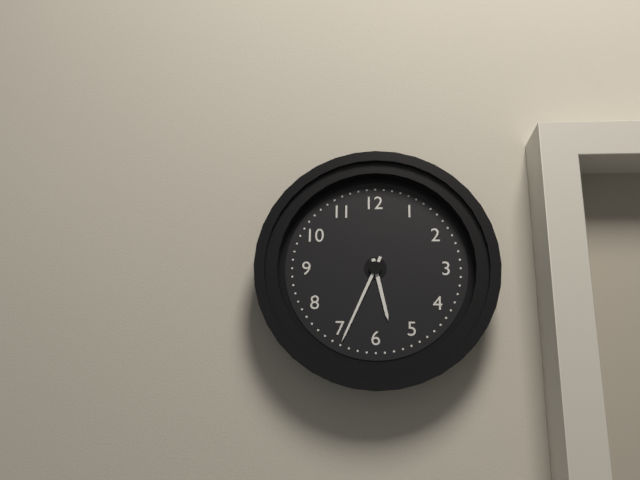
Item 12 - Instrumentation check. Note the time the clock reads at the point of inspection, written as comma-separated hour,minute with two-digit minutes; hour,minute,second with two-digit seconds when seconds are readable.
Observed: 5,34
